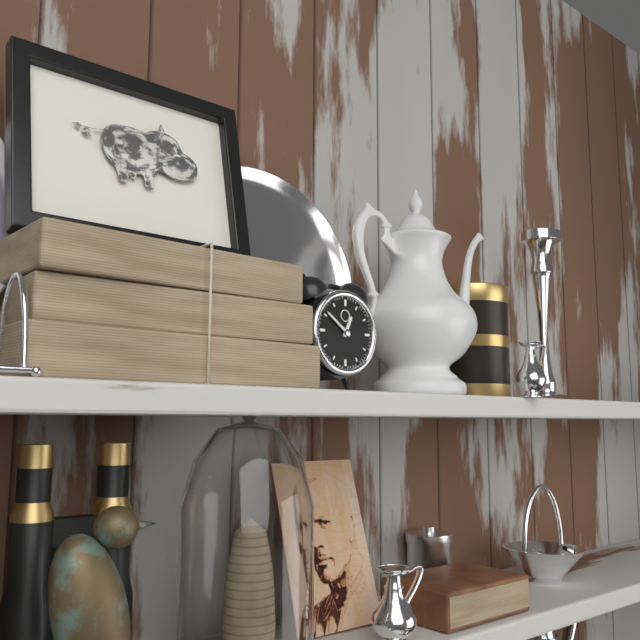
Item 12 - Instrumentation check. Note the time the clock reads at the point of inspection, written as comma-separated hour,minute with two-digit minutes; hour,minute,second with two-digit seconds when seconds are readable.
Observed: 12,51
